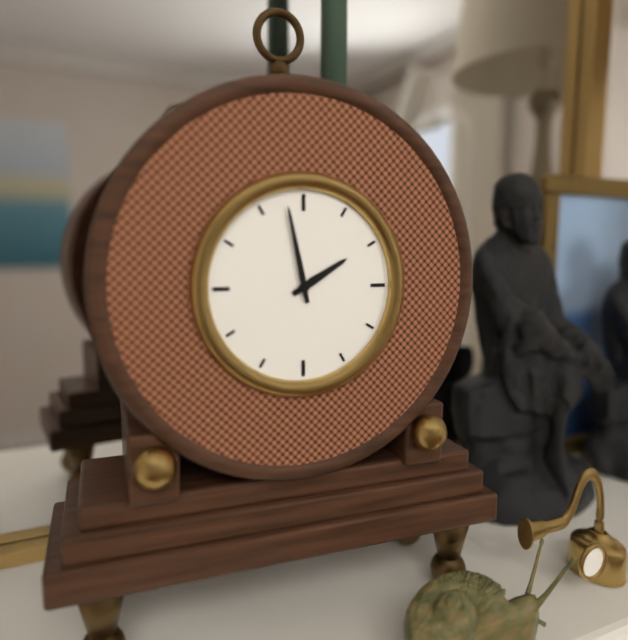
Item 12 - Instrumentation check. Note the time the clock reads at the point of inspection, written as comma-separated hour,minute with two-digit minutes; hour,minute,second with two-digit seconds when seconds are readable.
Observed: 1,58
